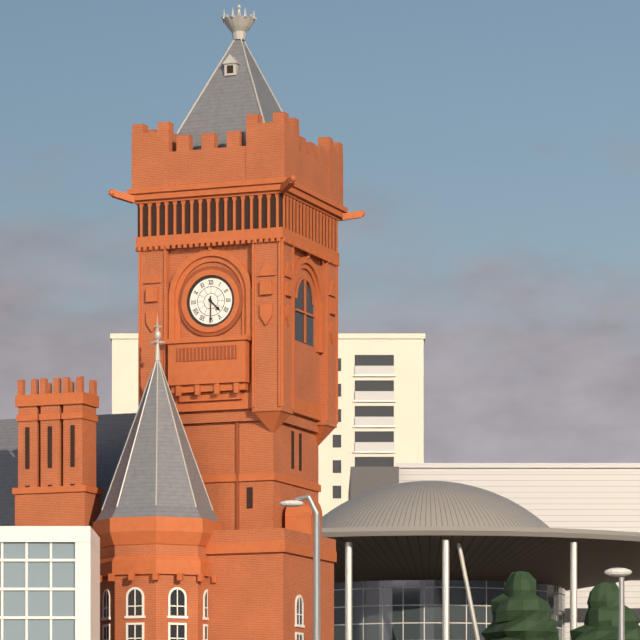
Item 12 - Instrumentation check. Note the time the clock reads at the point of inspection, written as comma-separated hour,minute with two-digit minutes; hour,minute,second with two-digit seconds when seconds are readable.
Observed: 4,30
